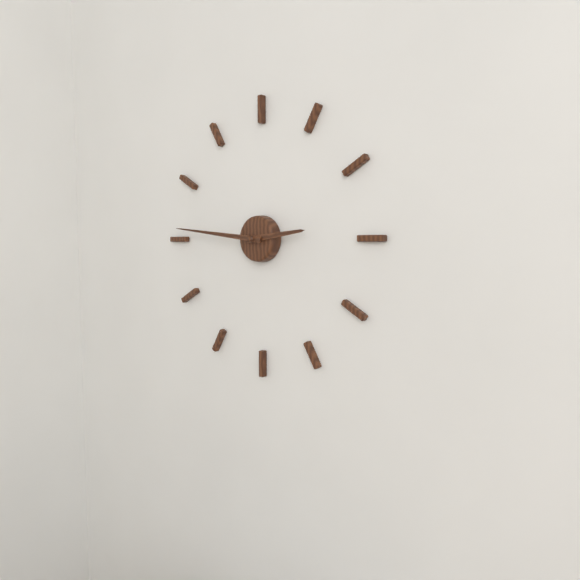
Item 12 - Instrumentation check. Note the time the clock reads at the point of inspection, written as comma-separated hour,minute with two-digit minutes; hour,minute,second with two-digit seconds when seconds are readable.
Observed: 2,46
